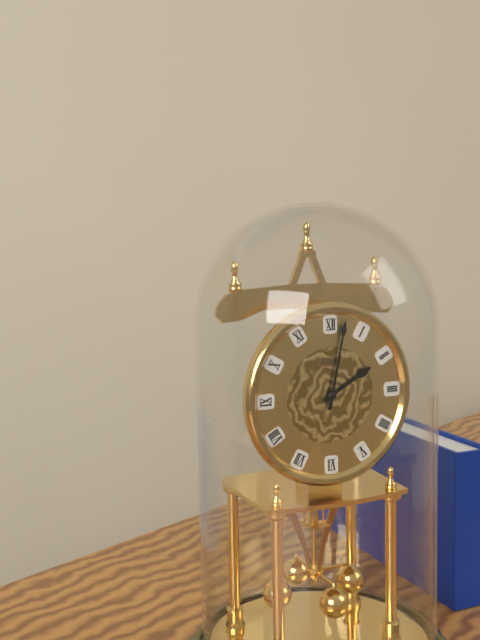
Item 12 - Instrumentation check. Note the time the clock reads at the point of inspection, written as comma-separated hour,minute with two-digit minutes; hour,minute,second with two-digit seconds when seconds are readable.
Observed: 2,02
